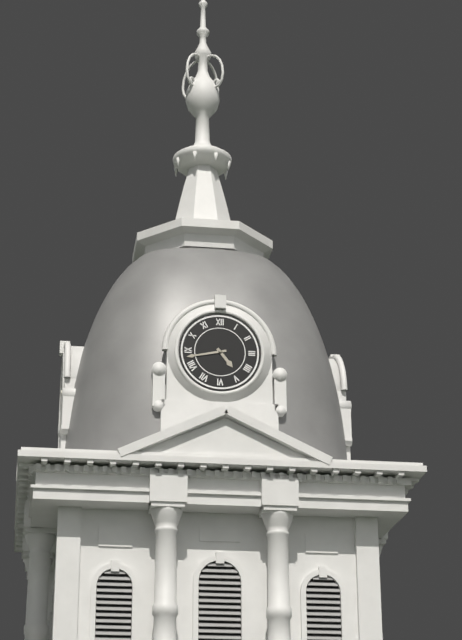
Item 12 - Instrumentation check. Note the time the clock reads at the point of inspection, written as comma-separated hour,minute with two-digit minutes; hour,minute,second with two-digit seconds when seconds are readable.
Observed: 4,43
